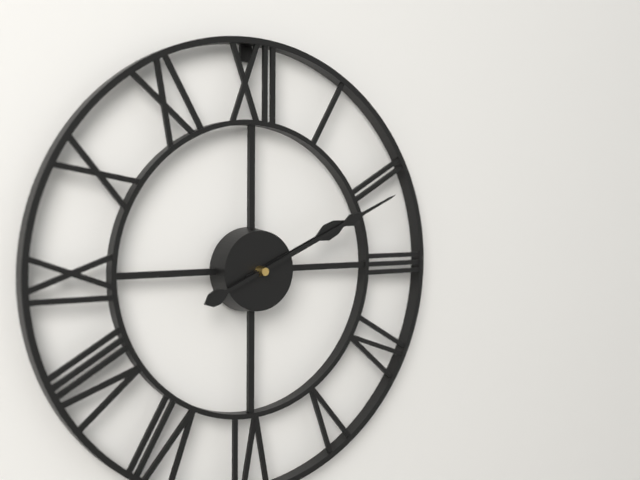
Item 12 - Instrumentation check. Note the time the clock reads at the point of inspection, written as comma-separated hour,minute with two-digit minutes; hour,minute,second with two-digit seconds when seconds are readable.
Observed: 2,11
